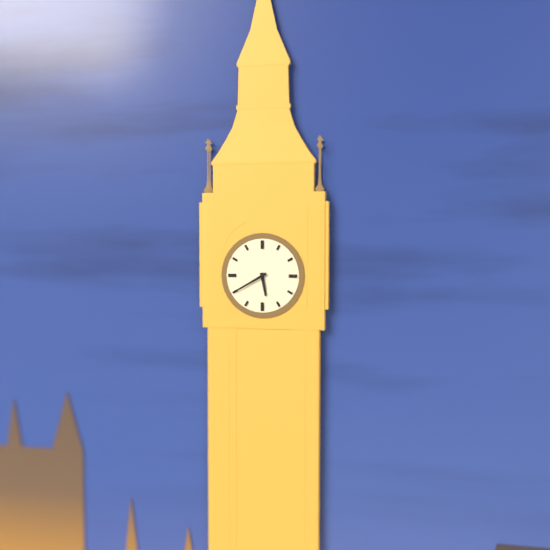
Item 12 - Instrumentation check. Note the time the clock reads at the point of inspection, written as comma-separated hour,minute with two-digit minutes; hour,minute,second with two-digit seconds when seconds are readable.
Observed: 5,40
